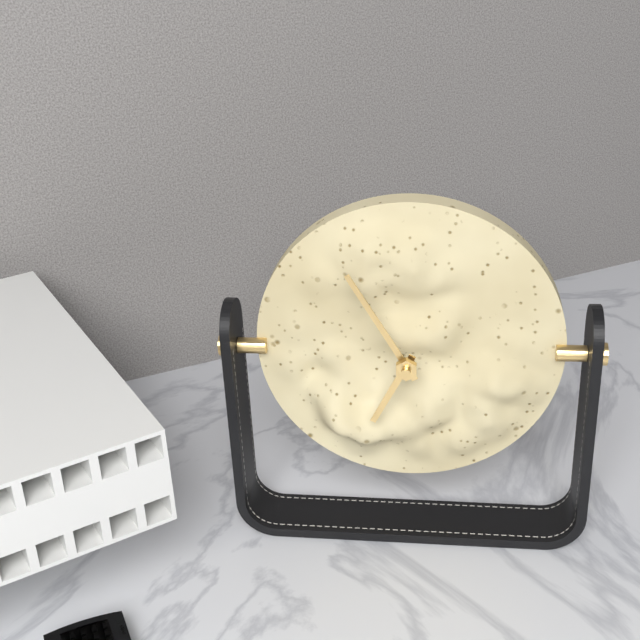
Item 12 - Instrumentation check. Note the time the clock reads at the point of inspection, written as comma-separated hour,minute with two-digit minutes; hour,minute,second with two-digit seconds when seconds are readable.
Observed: 6,55
